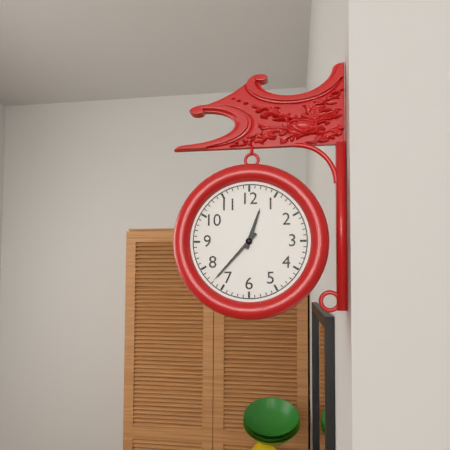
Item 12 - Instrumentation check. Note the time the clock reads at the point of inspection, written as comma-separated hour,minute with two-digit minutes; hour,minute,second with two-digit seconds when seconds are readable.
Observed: 12,37
